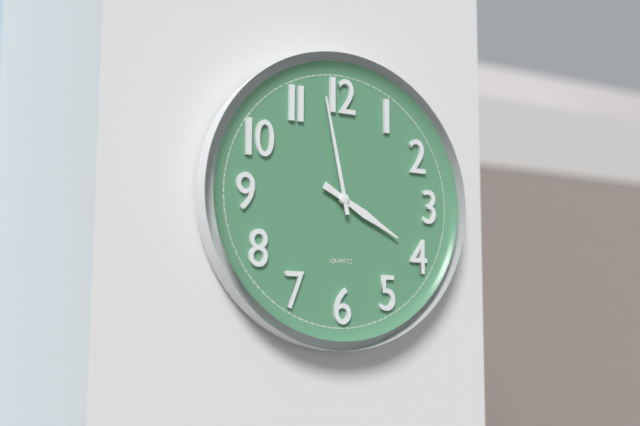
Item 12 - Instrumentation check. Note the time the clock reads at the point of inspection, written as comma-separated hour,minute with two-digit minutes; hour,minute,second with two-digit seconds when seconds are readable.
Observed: 3,58
